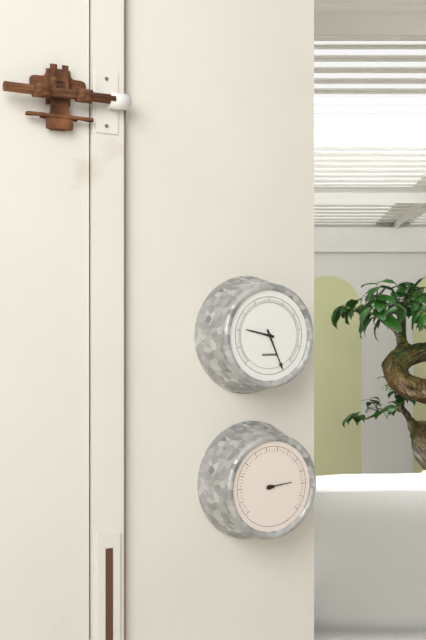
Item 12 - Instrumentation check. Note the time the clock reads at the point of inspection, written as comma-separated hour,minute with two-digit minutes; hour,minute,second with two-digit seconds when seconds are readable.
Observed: 9,26
